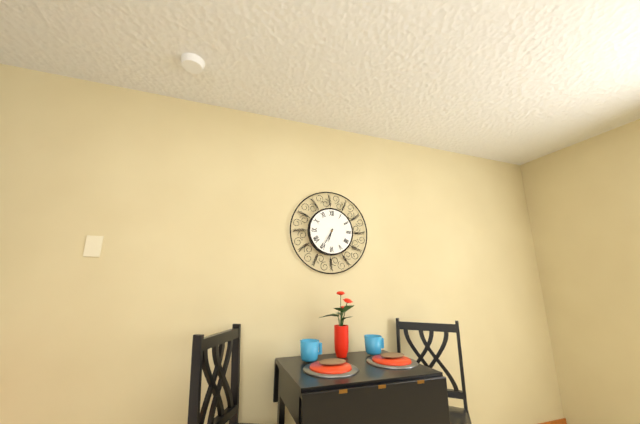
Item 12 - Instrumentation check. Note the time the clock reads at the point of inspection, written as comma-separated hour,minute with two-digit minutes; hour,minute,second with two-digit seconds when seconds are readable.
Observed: 6,35
